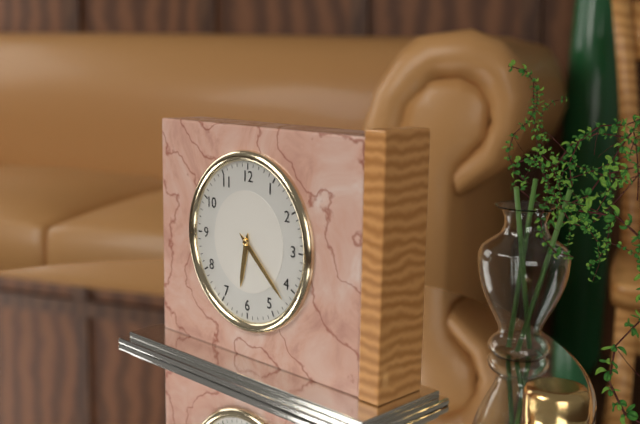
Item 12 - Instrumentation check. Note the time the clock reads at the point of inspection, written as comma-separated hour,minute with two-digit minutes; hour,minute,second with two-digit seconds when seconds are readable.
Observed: 6,22
